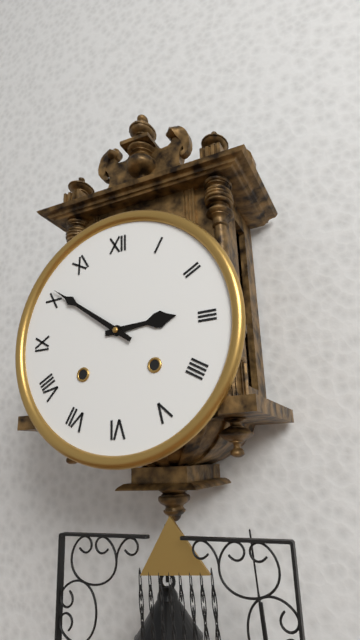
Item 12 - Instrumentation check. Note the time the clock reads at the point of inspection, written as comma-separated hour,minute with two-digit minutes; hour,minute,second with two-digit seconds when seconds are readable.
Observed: 2,51
